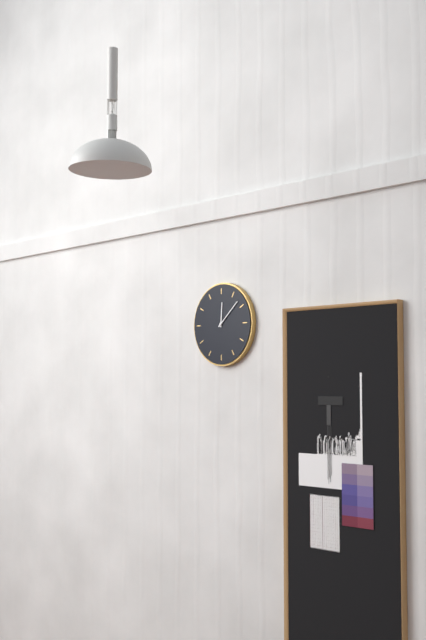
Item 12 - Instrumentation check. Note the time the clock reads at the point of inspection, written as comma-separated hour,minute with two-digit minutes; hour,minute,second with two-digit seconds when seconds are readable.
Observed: 12,08
